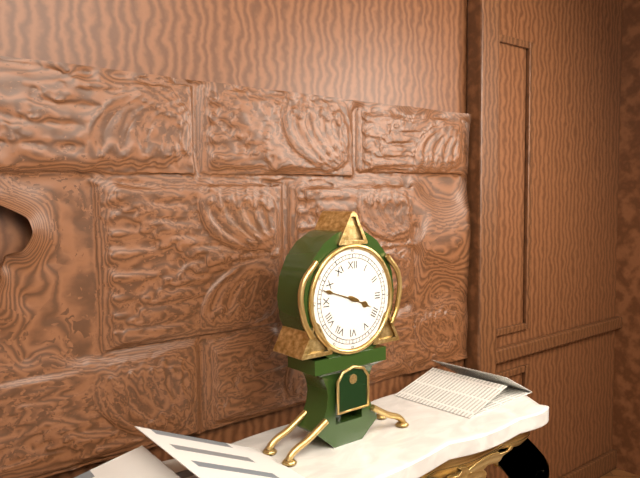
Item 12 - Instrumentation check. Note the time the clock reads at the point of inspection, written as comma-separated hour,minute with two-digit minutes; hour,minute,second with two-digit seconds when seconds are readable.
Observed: 3,48
